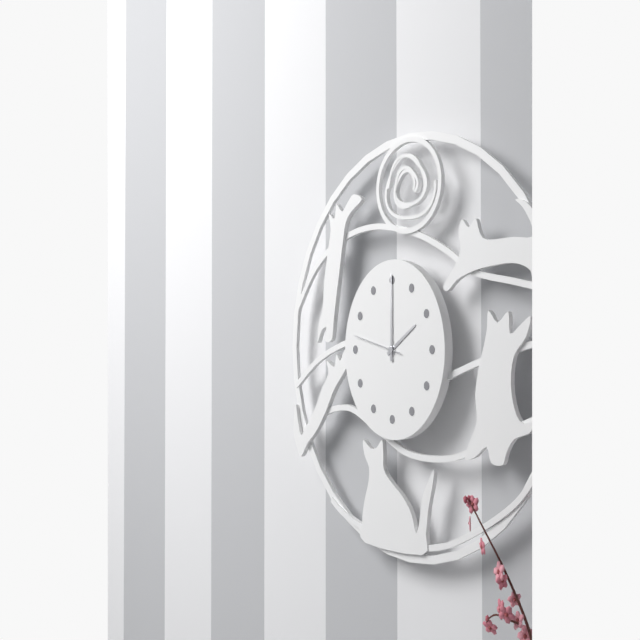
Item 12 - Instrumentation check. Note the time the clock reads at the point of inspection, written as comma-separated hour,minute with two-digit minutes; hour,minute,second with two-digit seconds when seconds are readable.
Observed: 2,00
